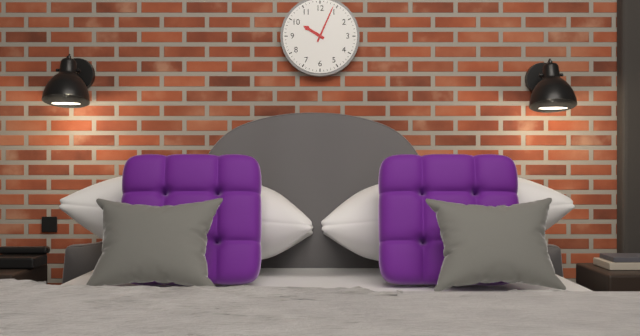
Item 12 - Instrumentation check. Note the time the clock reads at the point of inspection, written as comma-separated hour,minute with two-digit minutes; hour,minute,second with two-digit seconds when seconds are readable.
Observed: 10,04
